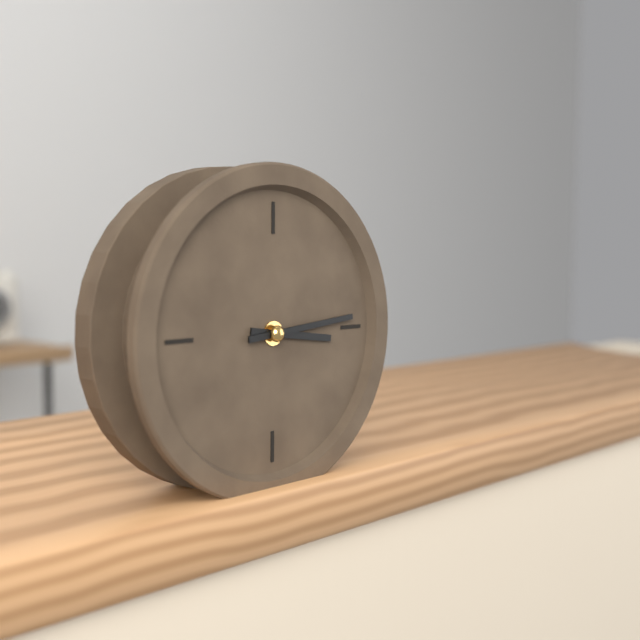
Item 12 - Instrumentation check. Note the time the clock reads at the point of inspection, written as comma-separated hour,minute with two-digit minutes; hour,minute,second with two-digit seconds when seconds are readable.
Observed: 3,14
